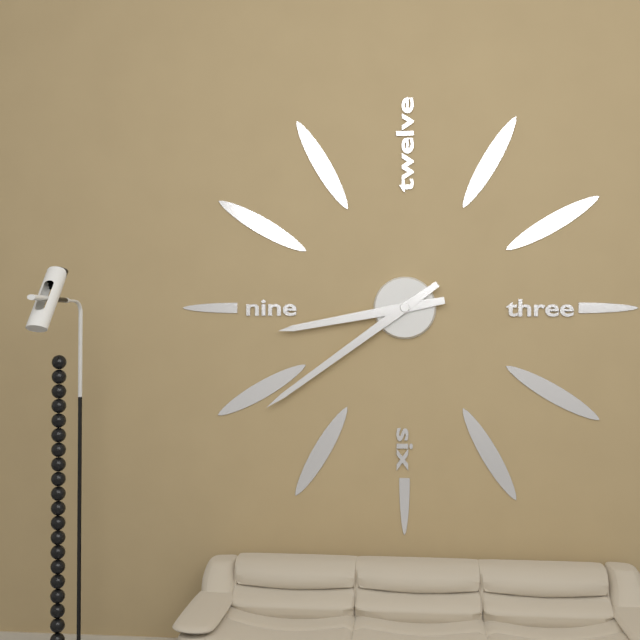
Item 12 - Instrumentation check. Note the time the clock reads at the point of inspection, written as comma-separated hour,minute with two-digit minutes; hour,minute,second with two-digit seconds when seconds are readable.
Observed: 8,39
